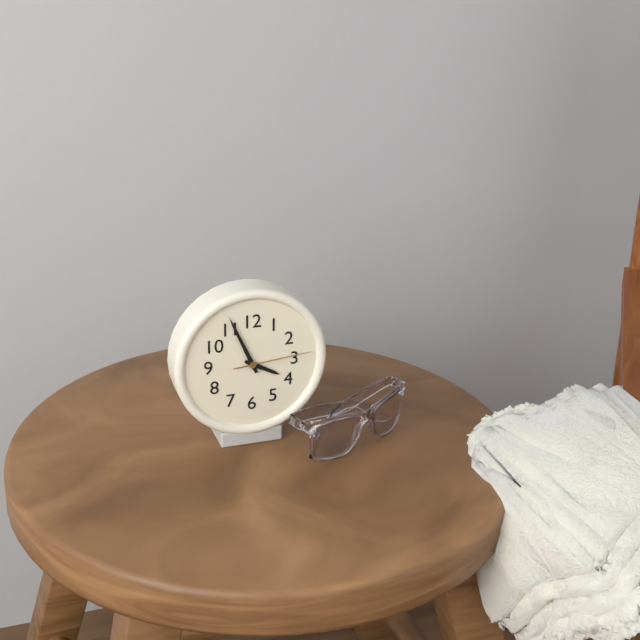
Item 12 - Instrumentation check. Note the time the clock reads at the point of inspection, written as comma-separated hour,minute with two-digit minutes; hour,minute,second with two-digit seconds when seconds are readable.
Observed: 3,56,14
